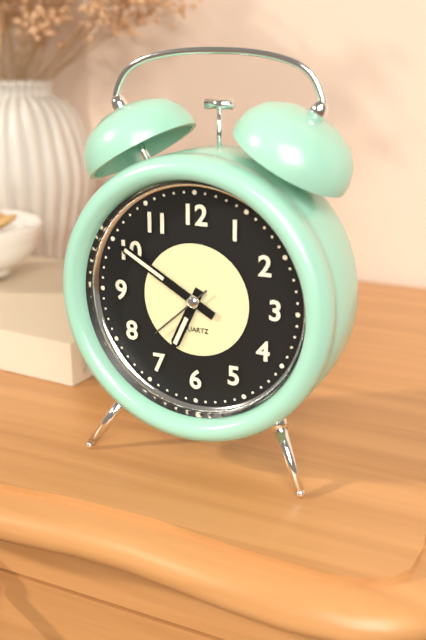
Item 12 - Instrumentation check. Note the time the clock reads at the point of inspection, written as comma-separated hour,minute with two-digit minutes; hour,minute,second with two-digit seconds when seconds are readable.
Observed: 6,50,38
